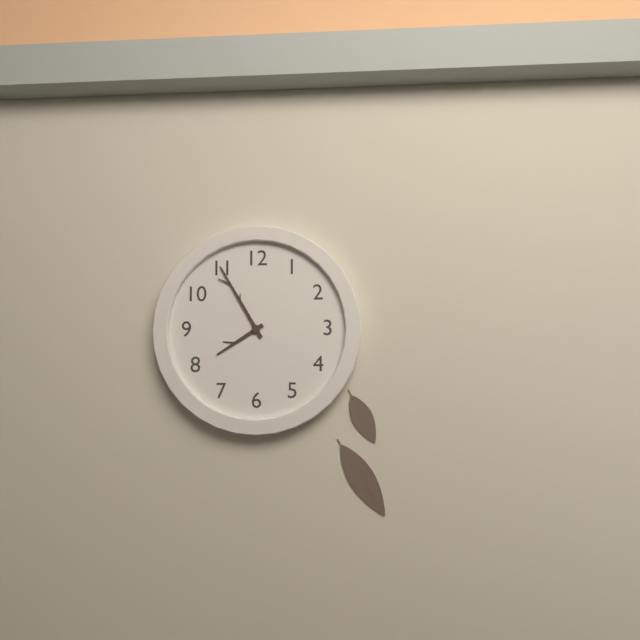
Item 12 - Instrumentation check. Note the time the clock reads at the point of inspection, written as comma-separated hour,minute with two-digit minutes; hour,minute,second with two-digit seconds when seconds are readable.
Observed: 7,55
